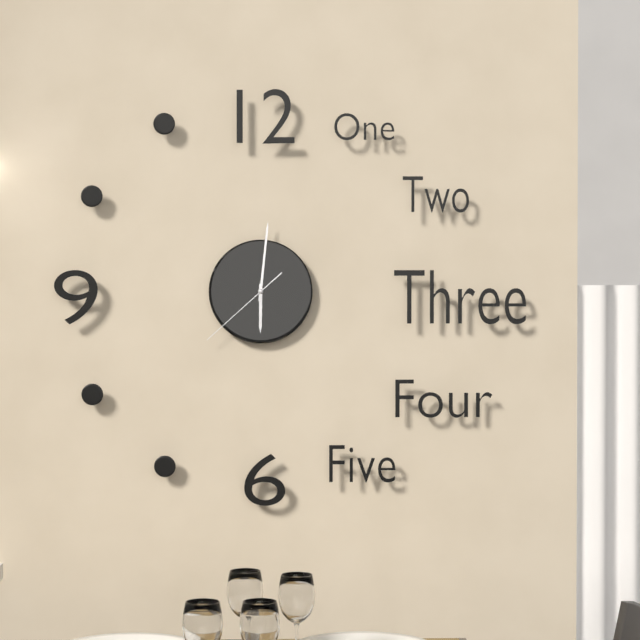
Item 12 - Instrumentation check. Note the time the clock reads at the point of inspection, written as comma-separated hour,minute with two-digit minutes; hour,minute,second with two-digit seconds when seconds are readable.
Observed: 6,01,38
